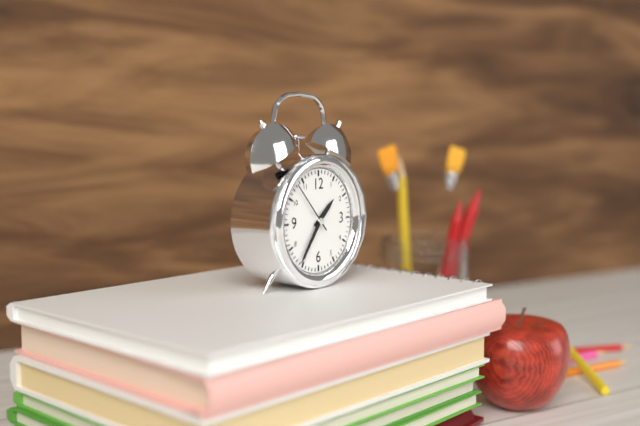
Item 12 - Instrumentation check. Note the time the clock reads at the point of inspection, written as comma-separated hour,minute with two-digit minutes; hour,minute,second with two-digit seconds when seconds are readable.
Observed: 1,36,53
